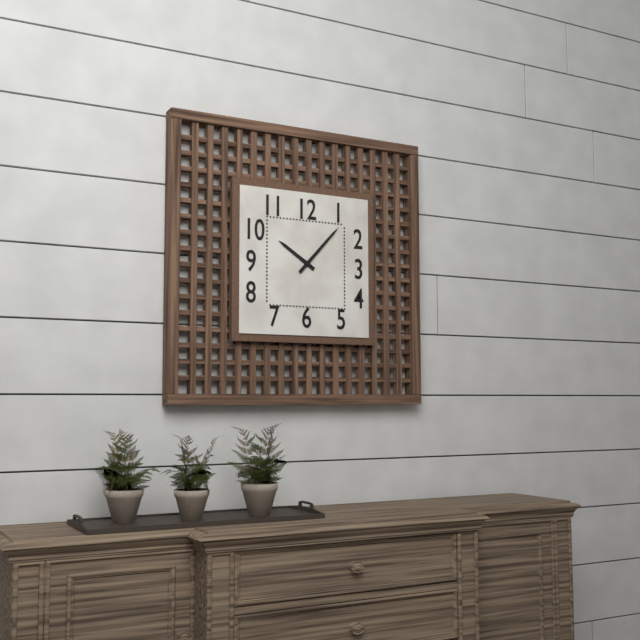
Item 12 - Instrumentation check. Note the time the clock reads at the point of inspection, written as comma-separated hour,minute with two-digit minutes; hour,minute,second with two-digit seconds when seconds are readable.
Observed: 10,07
